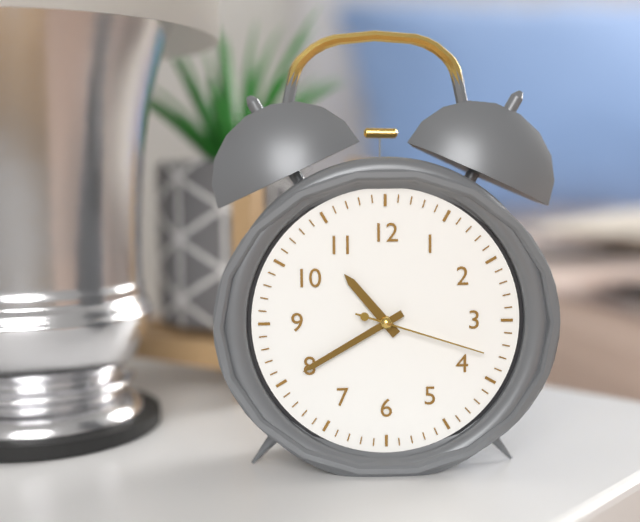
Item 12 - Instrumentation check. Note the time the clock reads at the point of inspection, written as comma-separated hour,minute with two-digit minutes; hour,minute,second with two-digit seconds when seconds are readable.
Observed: 10,40,18
